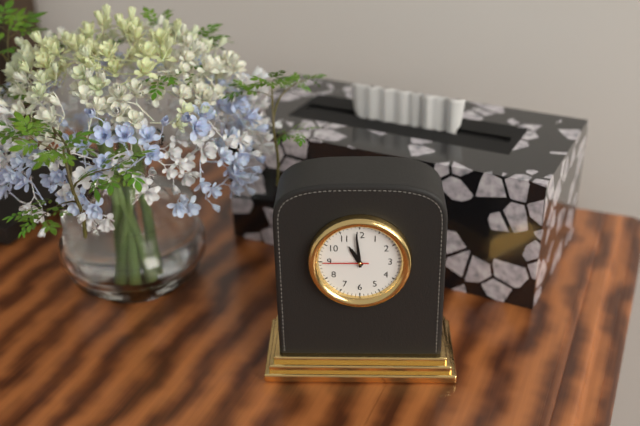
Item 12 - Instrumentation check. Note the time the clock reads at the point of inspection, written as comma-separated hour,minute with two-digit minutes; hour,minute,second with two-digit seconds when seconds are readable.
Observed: 10,59
